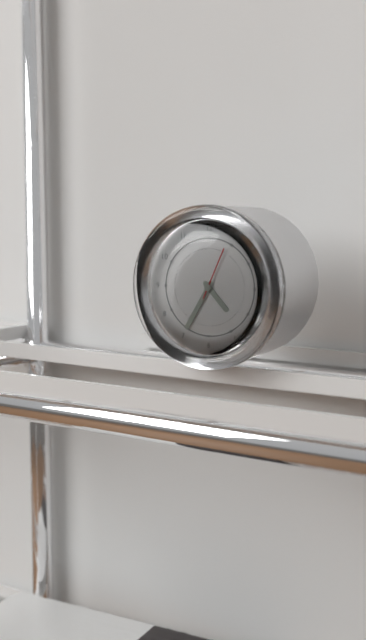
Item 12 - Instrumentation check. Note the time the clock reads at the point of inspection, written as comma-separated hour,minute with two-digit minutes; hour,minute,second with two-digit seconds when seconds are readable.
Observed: 4,35,04
